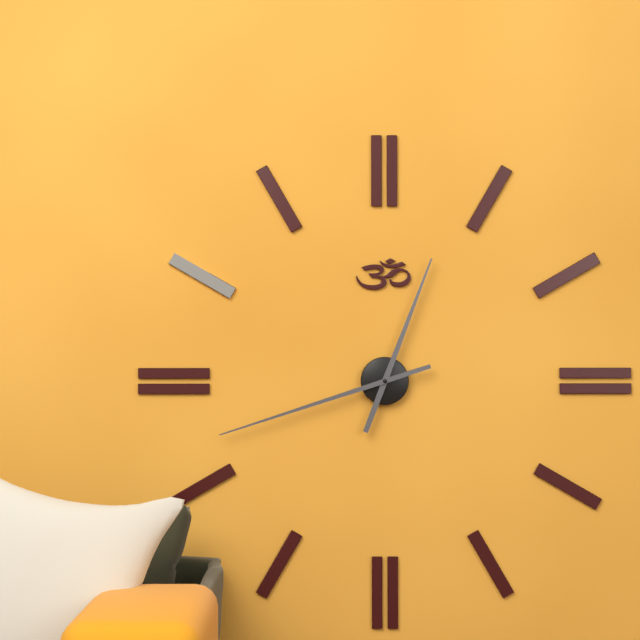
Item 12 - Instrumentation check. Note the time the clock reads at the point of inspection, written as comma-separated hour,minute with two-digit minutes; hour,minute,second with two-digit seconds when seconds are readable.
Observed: 12,42
